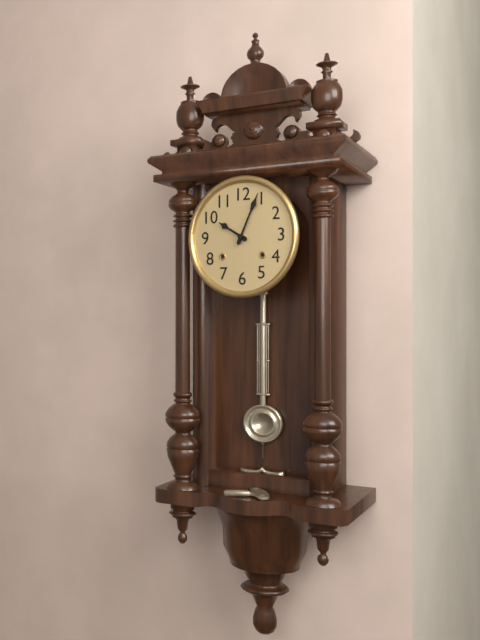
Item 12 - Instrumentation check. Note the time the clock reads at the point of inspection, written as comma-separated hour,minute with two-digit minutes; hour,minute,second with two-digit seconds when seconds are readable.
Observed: 10,04
